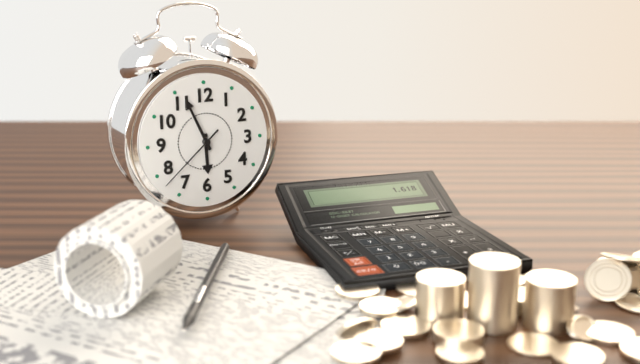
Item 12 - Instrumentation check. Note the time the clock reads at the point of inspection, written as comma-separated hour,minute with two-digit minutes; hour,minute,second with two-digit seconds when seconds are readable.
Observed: 5,56,38
